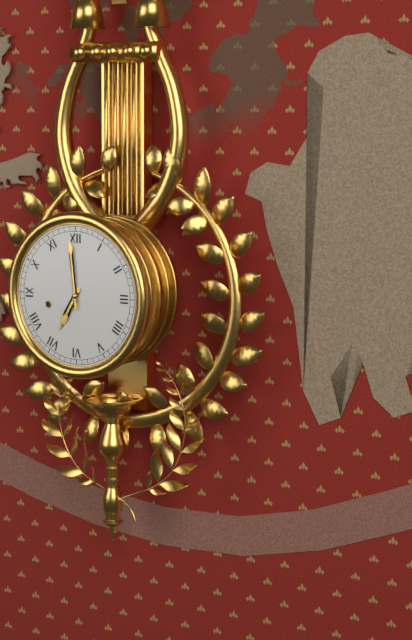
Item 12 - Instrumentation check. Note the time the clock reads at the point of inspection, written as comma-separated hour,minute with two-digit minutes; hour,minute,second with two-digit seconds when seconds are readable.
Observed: 6,59
